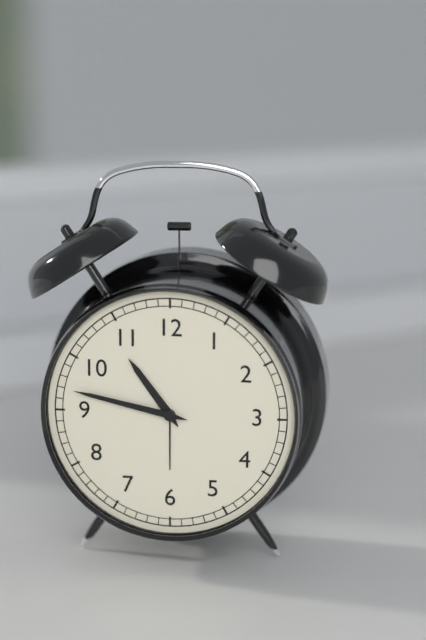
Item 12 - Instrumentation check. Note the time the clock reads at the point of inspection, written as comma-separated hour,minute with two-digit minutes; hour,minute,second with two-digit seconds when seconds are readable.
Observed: 10,47
